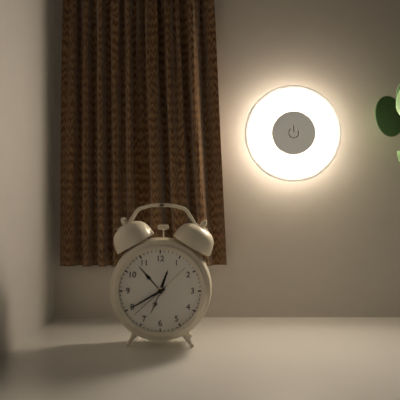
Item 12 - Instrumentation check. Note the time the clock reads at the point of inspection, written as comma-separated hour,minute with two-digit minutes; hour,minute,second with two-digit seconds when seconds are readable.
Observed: 12,40
